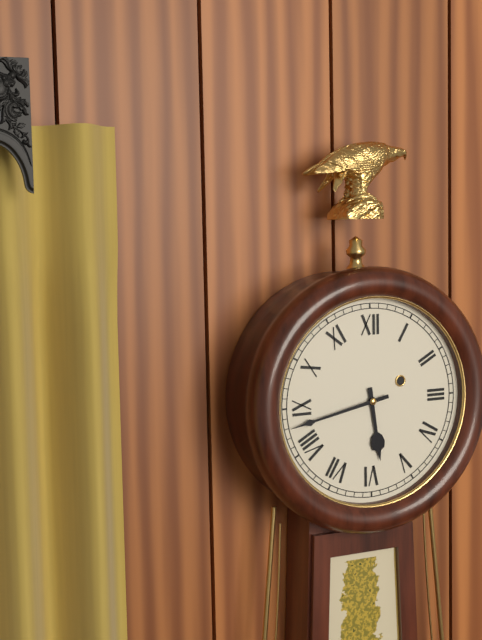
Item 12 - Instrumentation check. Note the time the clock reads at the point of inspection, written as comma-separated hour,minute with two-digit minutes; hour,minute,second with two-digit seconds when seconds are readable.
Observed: 5,43
